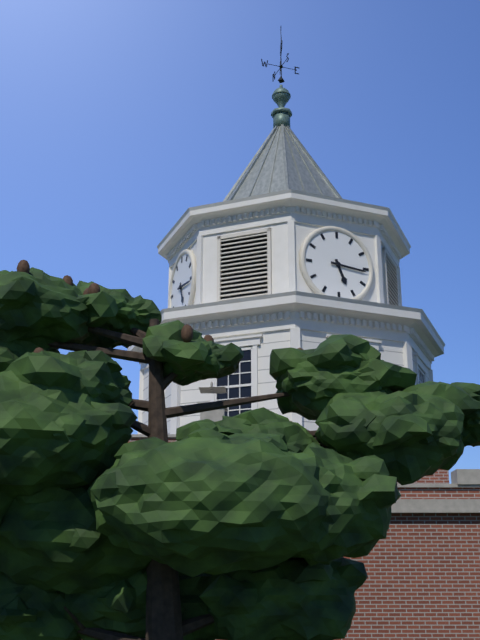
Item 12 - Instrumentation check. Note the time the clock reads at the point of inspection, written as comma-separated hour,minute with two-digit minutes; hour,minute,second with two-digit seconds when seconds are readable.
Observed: 5,16
